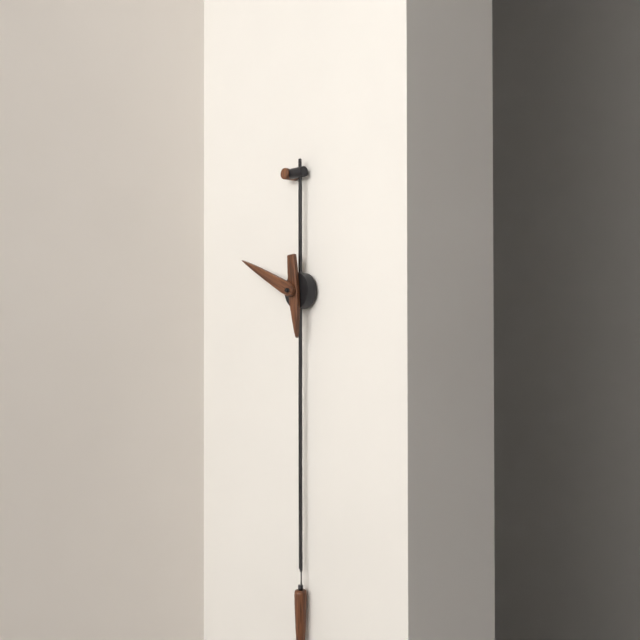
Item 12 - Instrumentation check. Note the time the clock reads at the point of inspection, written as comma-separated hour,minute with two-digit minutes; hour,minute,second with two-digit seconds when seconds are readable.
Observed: 5,49
